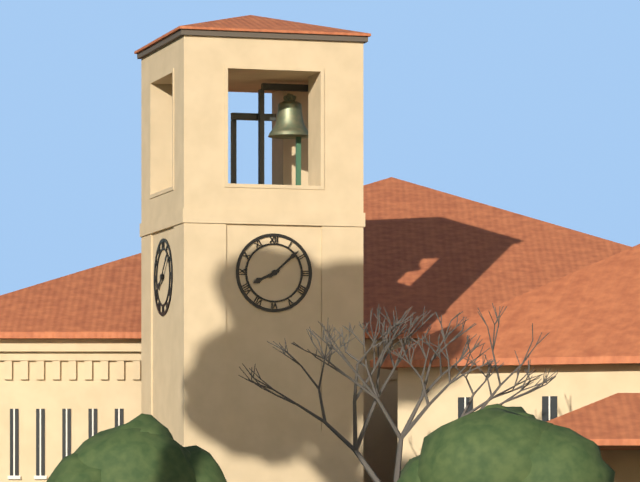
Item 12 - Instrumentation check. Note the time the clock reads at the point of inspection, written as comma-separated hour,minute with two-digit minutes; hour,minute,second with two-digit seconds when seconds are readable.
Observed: 8,08
